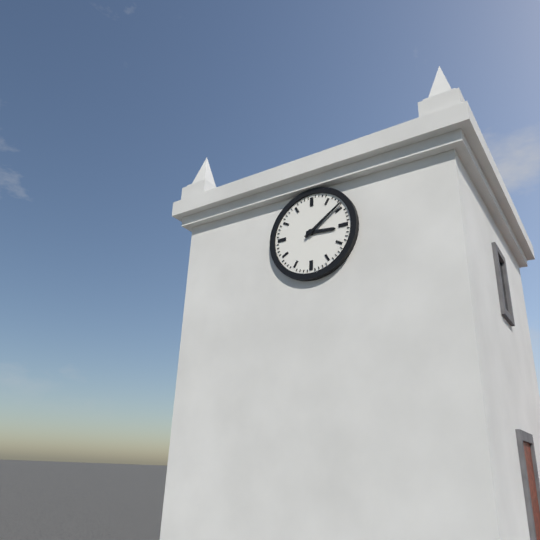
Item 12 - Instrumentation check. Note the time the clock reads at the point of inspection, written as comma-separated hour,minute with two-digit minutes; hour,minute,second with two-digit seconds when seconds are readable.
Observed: 3,09
